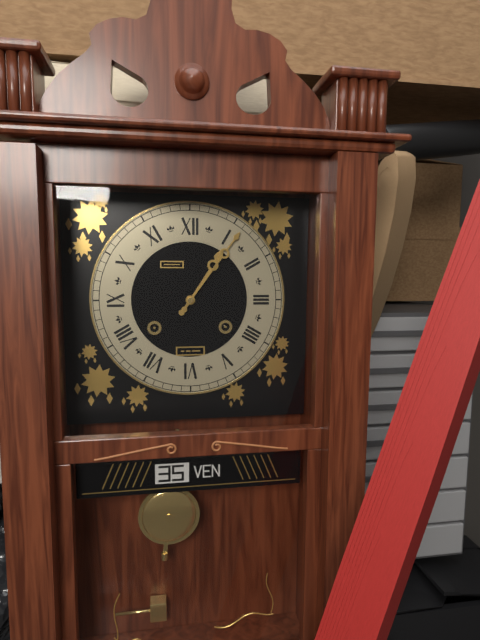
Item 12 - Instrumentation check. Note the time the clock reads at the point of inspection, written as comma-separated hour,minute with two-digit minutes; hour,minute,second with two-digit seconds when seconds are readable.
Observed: 1,06
